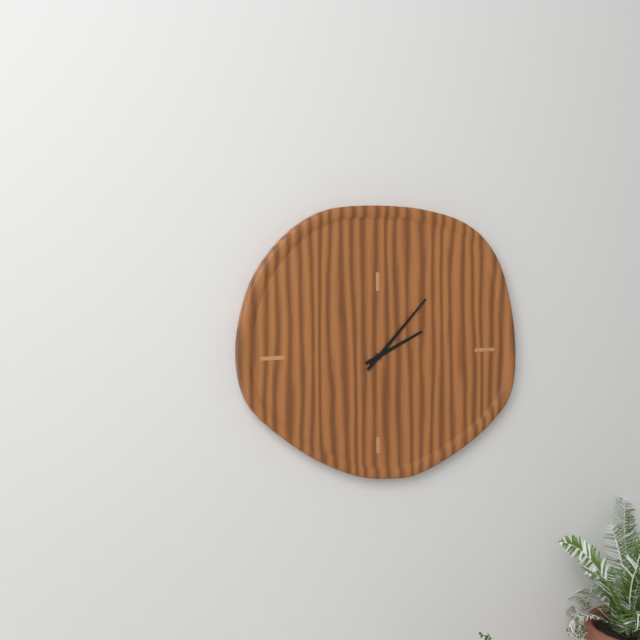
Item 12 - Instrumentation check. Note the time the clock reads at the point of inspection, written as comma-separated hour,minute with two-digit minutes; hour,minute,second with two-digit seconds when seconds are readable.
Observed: 2,07
